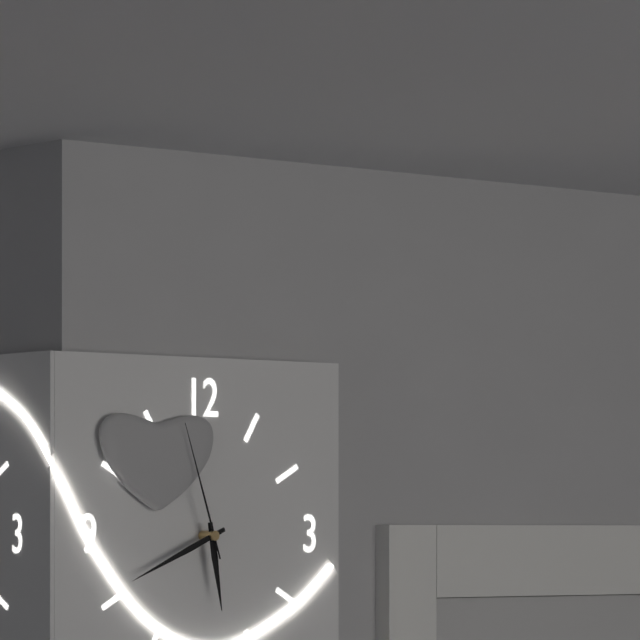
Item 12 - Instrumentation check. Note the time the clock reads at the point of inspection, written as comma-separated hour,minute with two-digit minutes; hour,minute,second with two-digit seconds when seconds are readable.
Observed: 5,41,57
